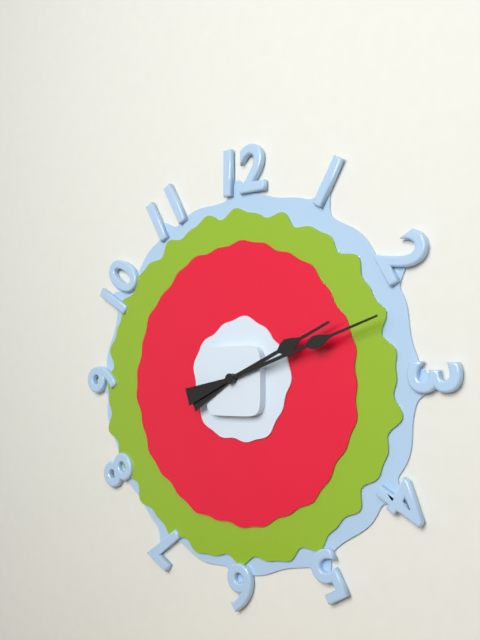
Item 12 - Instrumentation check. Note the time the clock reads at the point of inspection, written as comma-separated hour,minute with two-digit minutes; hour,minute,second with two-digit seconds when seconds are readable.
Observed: 2,12
